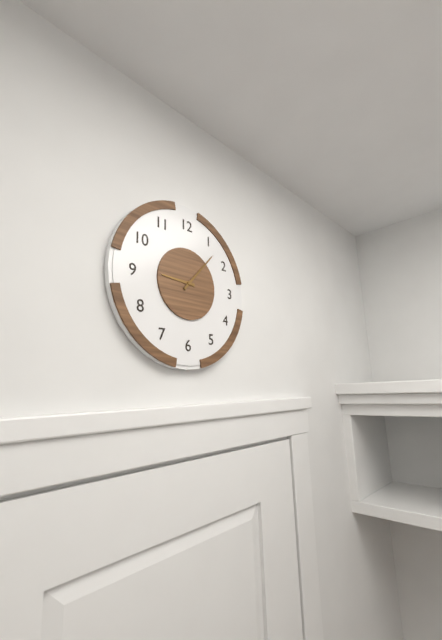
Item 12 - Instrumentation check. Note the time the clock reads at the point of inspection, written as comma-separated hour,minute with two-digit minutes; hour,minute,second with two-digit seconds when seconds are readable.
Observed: 9,07
